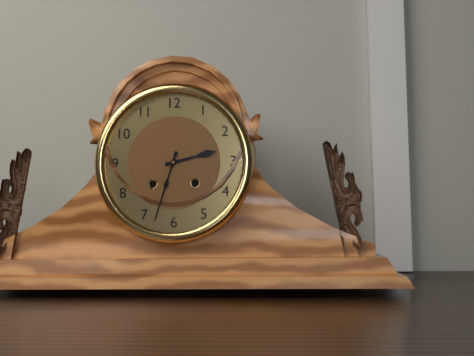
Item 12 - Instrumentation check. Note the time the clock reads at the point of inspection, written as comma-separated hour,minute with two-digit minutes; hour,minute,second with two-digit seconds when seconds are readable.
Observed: 2,33
